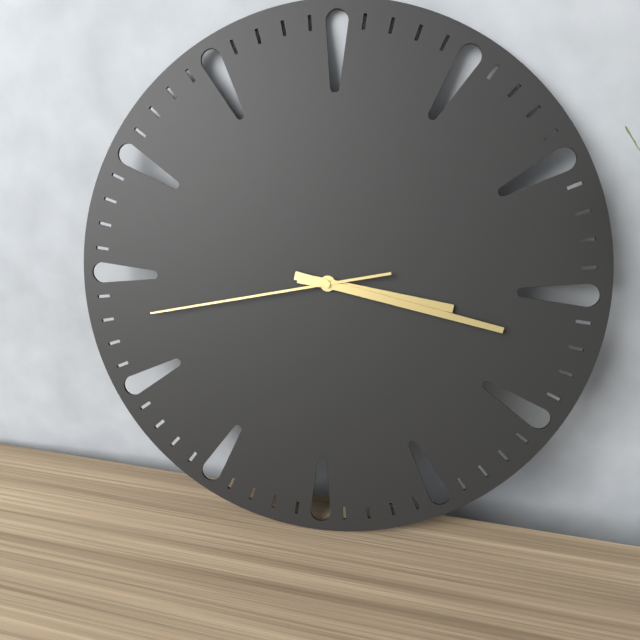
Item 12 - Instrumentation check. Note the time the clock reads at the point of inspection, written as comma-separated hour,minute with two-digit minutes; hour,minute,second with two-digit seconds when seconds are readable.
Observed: 3,17,43
